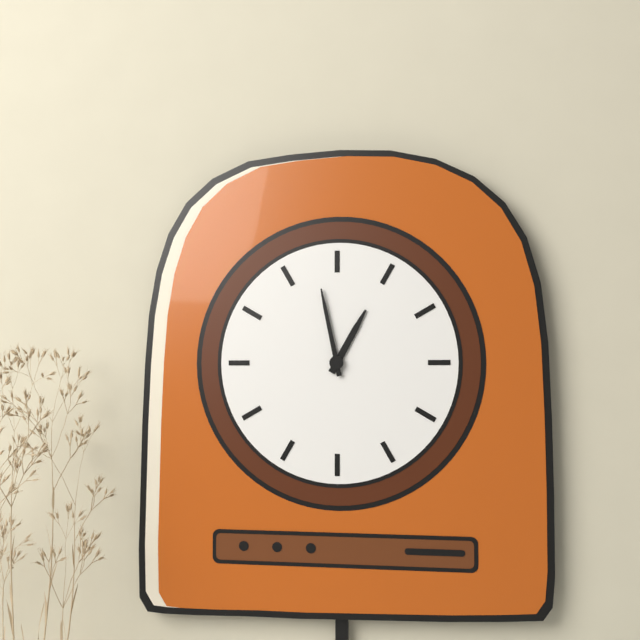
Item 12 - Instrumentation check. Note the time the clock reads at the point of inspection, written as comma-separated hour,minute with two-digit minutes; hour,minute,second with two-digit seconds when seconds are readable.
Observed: 12,58
